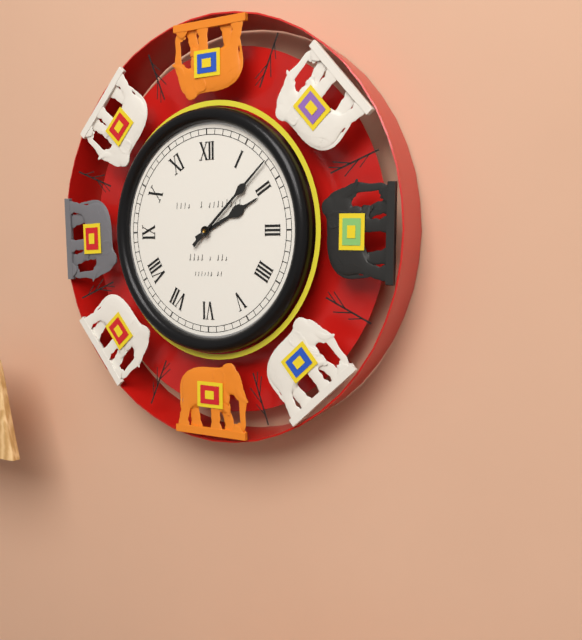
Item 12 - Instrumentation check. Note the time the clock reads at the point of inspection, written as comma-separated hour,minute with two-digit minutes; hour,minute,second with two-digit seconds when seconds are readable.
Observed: 2,08
